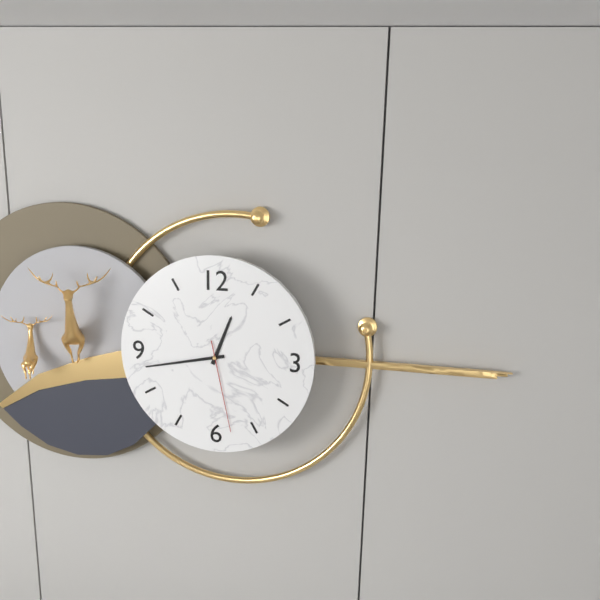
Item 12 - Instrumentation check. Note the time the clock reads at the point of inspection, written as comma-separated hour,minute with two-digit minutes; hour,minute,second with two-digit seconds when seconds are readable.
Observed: 12,43,28
